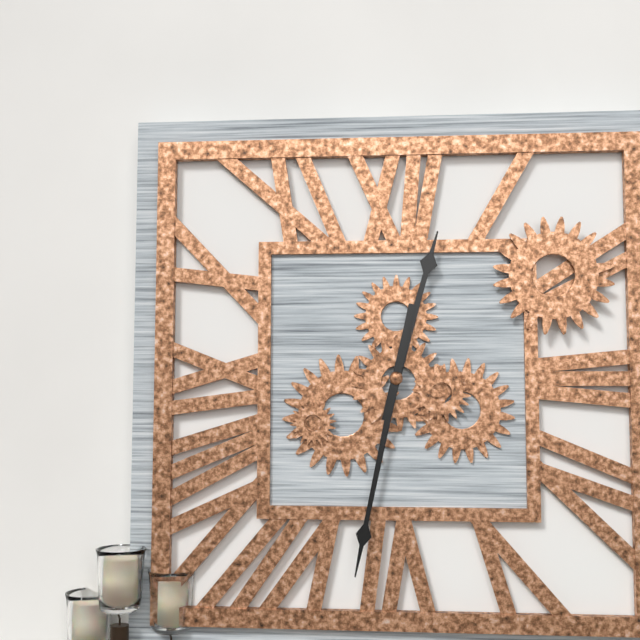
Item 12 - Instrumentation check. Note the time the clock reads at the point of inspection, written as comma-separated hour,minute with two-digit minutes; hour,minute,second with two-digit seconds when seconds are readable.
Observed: 12,32
